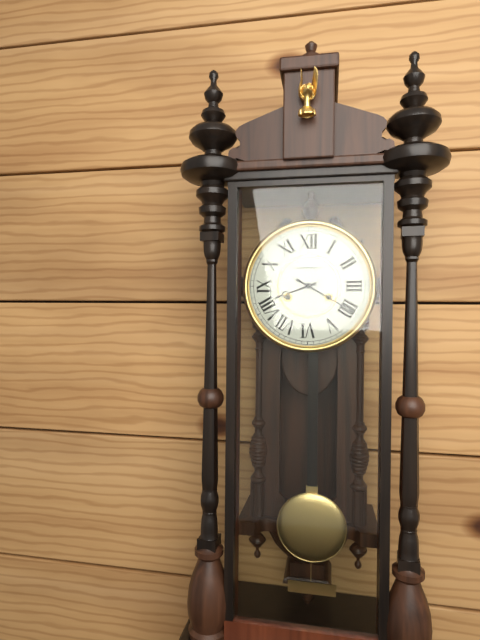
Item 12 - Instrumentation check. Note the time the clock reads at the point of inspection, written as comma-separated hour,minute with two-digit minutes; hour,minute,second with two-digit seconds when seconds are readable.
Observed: 8,20
